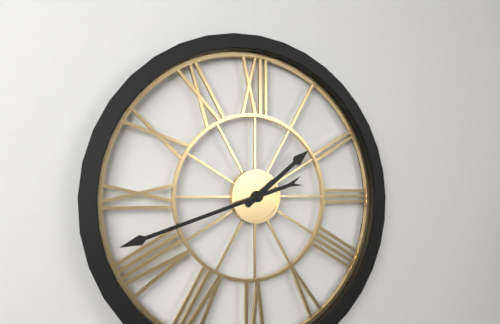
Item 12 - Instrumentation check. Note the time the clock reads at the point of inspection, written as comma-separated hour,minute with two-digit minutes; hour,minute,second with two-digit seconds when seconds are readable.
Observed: 1,42
